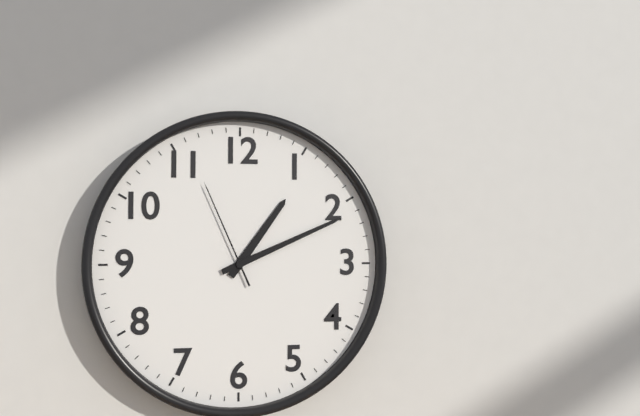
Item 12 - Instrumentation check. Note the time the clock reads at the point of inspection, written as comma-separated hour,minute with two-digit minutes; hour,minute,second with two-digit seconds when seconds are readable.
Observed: 1,11,56
